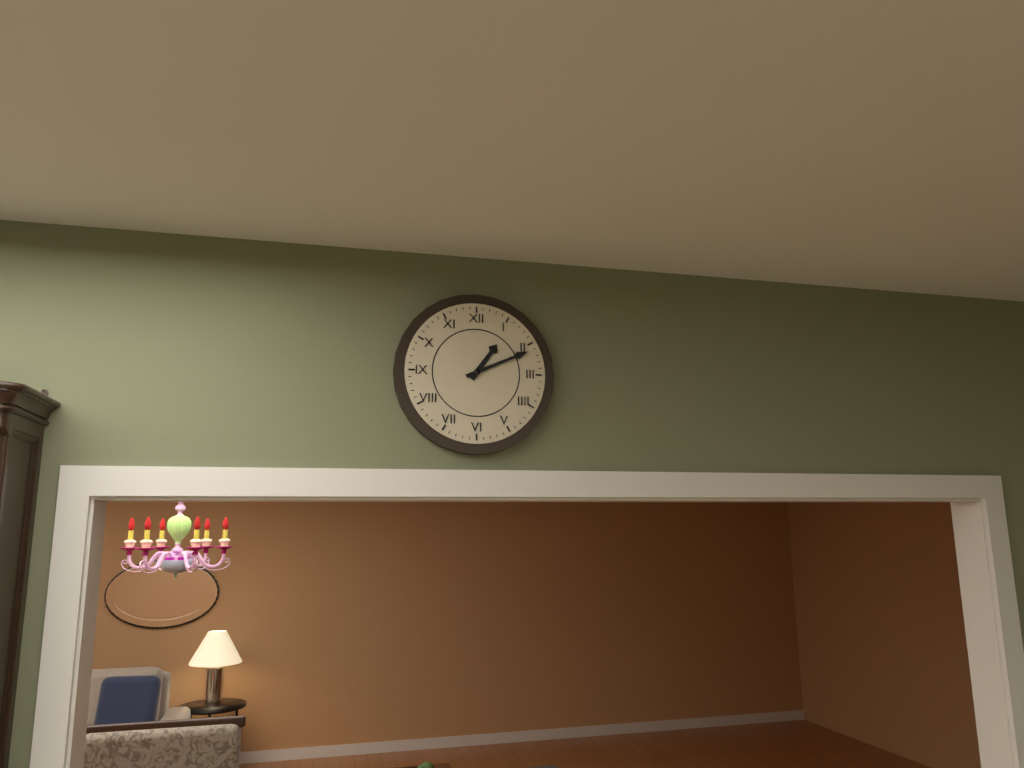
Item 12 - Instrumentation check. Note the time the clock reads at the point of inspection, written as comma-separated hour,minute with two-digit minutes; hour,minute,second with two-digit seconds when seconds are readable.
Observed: 1,11
